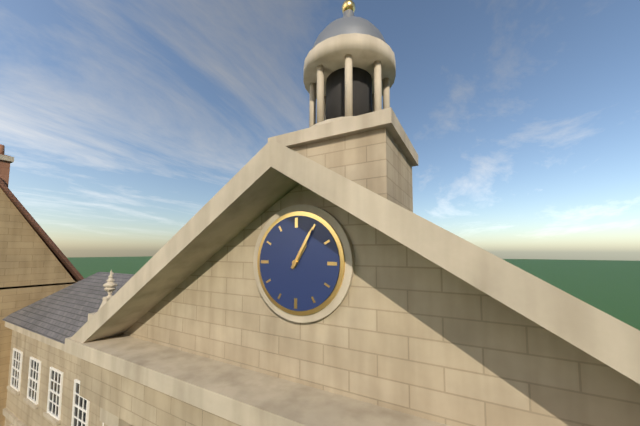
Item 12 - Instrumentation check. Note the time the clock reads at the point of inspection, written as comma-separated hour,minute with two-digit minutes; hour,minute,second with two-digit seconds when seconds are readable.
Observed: 1,05
